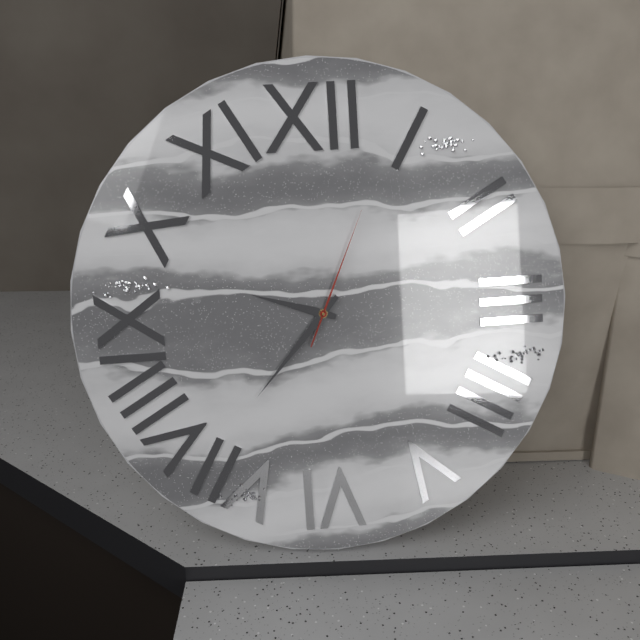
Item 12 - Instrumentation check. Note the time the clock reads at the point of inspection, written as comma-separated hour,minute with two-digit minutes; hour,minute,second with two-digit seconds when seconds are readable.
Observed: 9,37,04
